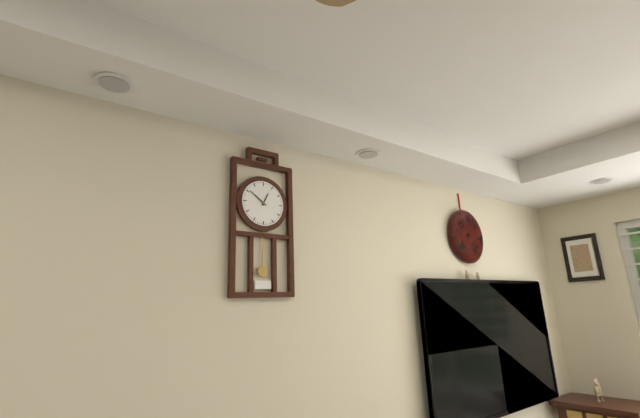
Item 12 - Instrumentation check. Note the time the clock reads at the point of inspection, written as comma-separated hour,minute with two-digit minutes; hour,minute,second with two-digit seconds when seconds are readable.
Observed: 12,51
